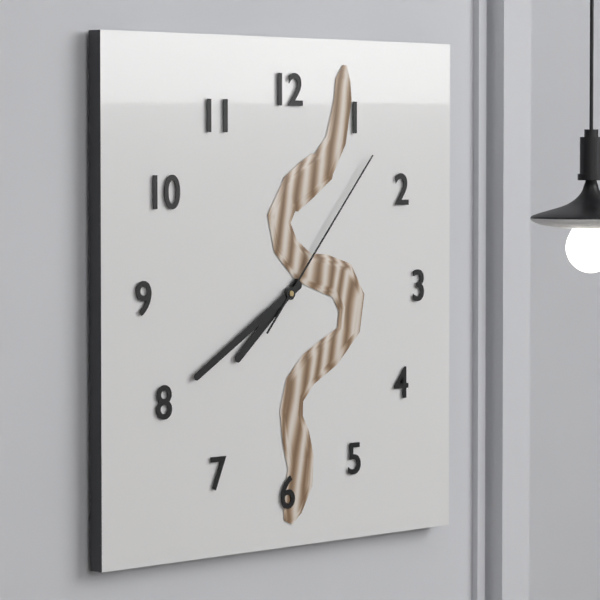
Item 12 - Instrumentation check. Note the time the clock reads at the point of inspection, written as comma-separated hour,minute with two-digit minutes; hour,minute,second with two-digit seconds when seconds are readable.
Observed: 7,40,07
